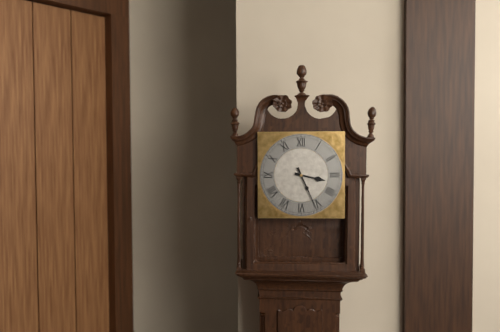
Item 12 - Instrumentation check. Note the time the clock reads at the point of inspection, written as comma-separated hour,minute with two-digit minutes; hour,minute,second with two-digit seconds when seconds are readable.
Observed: 3,26
